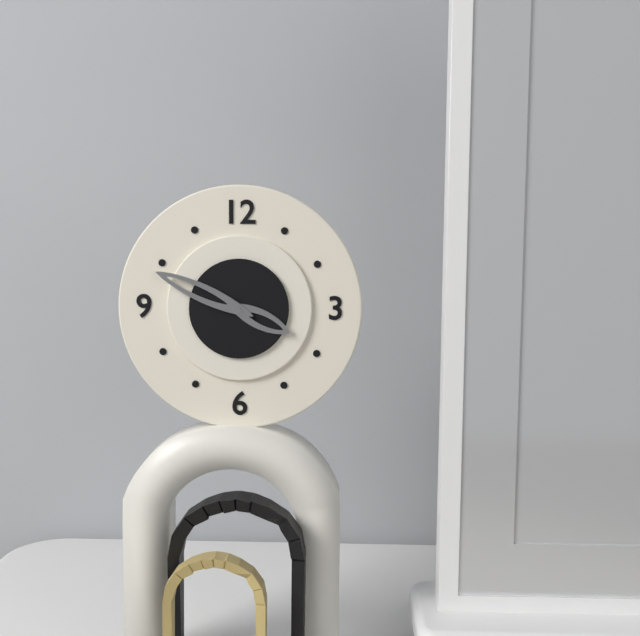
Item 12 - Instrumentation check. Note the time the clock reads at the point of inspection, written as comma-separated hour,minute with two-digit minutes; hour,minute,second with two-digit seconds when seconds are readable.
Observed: 3,49
